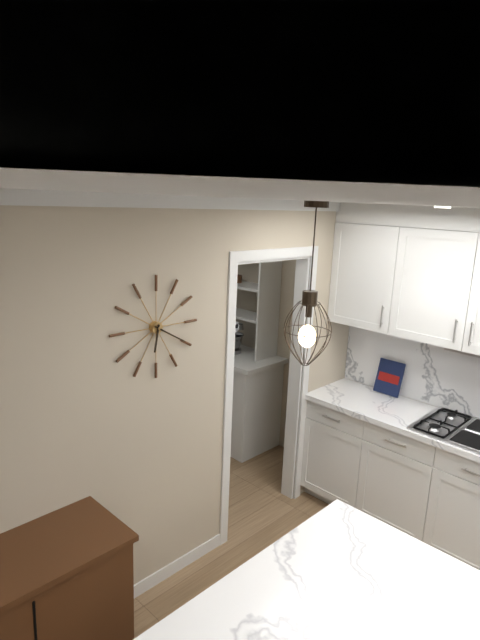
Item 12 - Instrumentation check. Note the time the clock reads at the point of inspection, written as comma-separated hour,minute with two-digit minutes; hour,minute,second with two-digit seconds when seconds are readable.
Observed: 6,20
